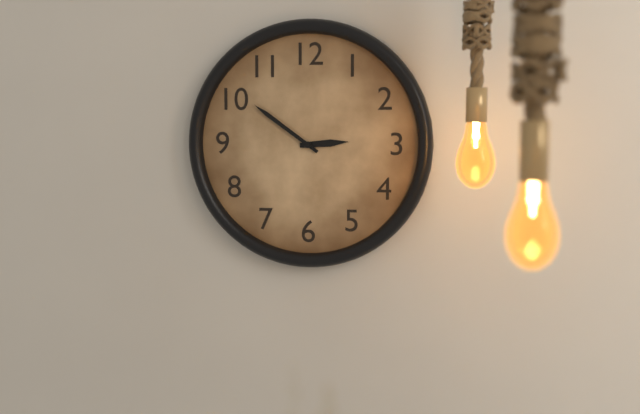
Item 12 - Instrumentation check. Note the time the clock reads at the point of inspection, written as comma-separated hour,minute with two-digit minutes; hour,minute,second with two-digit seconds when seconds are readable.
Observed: 2,51
